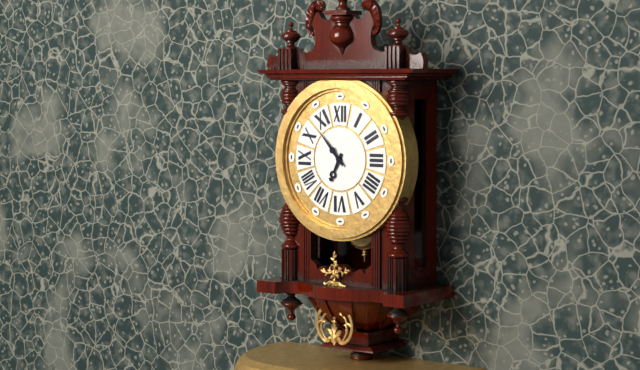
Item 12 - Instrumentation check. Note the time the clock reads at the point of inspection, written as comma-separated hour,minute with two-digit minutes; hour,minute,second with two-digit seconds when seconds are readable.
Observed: 6,53
